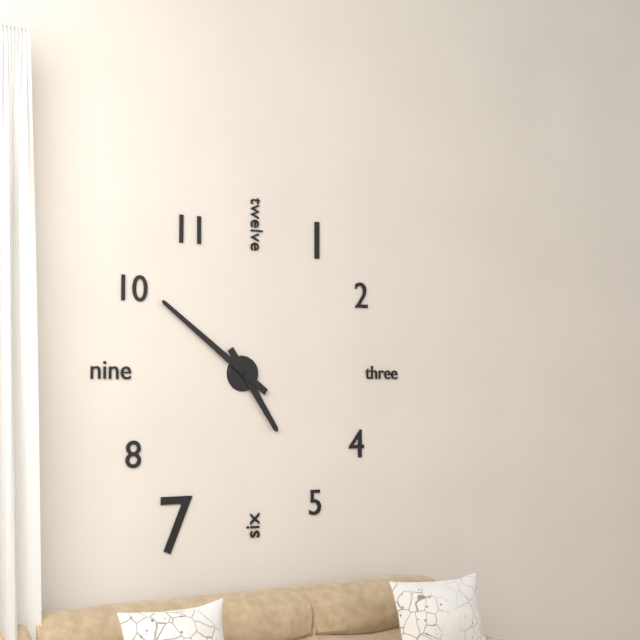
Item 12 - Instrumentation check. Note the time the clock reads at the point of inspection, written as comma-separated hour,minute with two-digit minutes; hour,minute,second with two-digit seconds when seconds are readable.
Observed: 4,51
